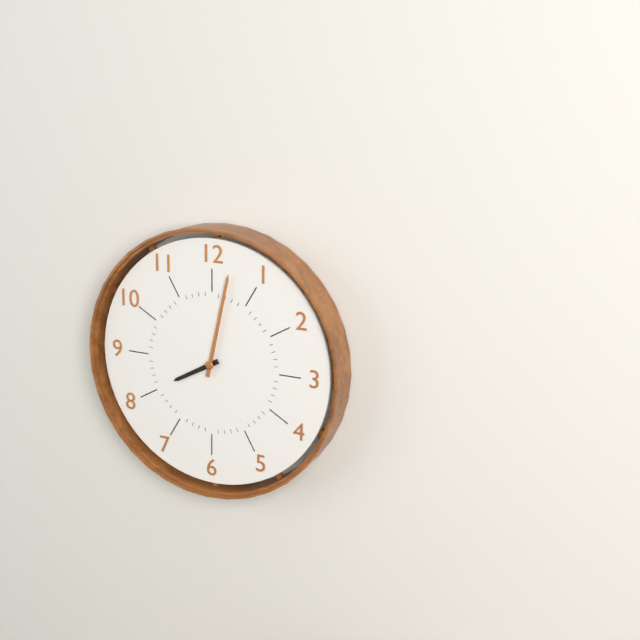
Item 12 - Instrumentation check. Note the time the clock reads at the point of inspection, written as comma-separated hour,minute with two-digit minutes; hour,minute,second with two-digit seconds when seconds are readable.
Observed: 8,02
